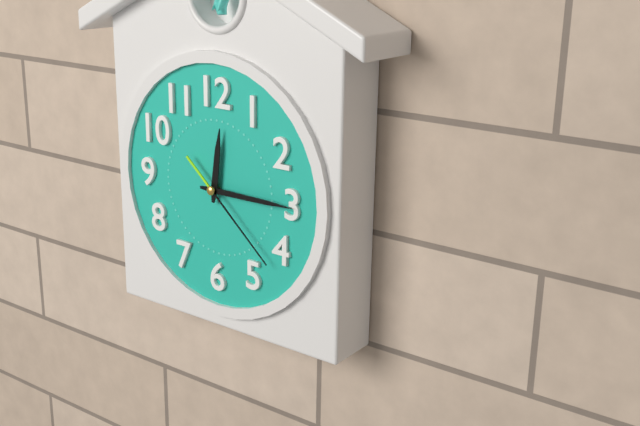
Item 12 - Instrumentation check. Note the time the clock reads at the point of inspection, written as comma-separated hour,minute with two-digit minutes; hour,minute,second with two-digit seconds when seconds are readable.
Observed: 12,15,22
